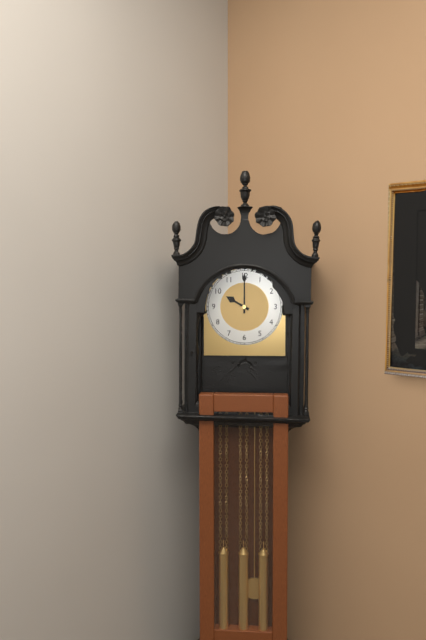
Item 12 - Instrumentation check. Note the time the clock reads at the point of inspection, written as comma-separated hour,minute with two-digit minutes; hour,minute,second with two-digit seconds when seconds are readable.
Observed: 10,00
